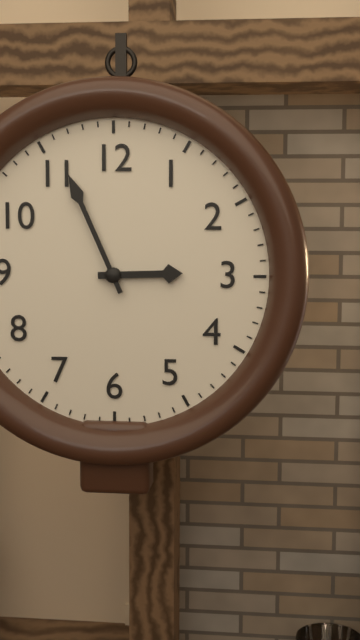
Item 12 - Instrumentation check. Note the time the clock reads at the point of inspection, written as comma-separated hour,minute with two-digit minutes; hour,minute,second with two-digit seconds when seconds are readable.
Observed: 2,56
